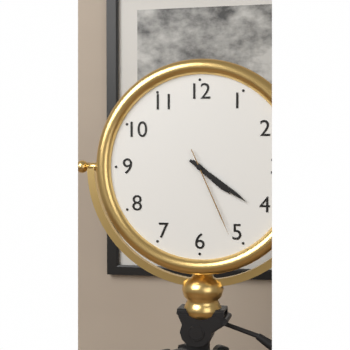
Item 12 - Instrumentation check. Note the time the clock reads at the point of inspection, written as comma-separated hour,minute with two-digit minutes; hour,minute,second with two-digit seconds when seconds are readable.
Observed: 4,21,26
